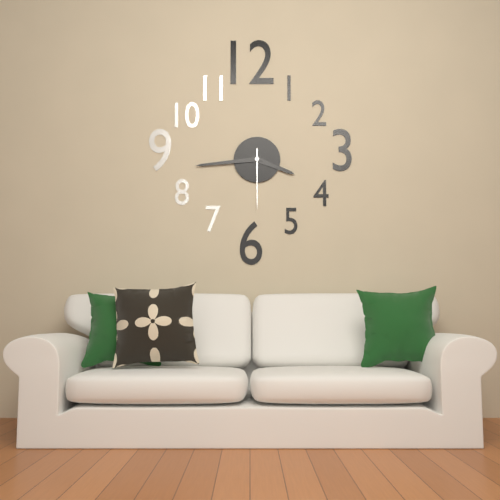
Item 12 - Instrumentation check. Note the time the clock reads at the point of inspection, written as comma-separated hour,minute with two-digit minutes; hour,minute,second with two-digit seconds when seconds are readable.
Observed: 3,44,30
